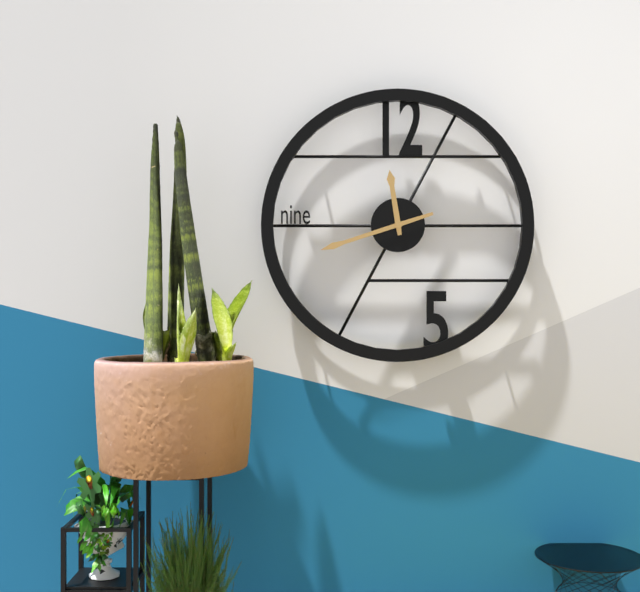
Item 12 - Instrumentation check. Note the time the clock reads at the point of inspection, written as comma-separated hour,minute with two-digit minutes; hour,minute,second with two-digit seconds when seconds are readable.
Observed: 11,42
